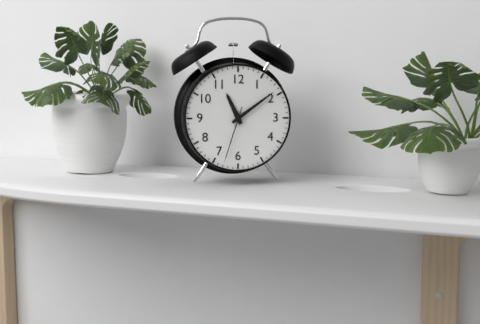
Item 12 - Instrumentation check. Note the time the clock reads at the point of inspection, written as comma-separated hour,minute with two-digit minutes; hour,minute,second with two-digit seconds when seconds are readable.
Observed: 11,09,33
